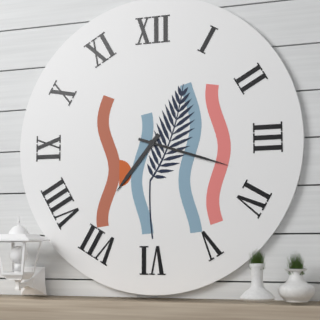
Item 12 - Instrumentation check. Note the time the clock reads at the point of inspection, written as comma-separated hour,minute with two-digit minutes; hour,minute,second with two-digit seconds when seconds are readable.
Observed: 7,18
